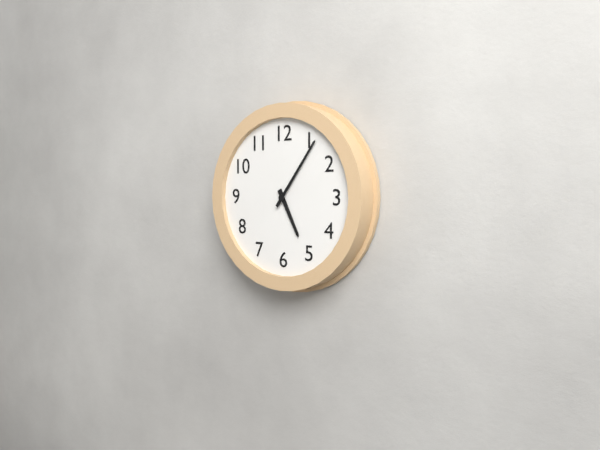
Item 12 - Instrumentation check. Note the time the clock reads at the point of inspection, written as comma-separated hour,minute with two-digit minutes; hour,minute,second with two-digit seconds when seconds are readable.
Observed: 5,06
